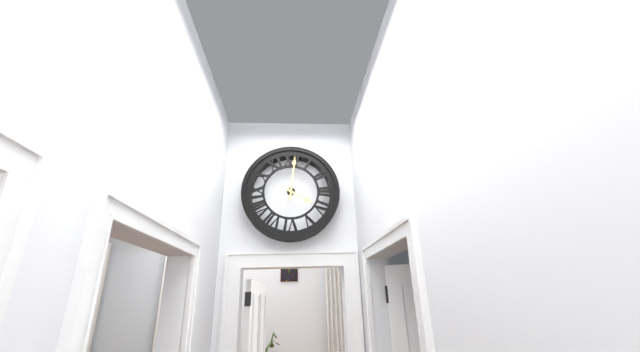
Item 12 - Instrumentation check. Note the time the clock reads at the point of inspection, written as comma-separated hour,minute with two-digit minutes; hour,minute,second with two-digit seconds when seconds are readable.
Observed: 4,01
